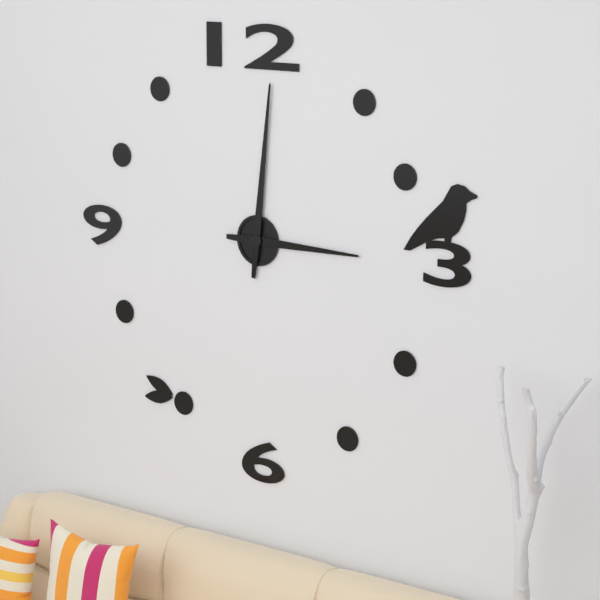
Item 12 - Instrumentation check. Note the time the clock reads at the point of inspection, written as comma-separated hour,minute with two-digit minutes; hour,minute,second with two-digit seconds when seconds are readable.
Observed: 3,01
